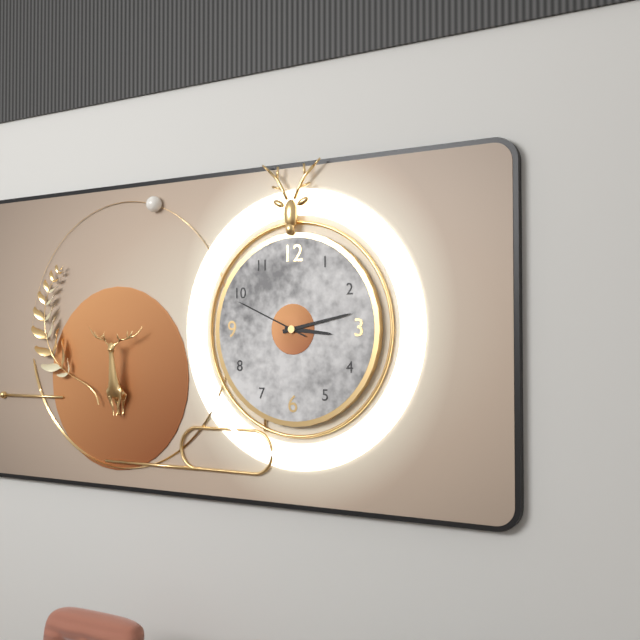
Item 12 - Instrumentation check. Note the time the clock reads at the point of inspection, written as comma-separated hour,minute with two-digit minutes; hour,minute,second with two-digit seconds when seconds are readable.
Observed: 3,13,49
